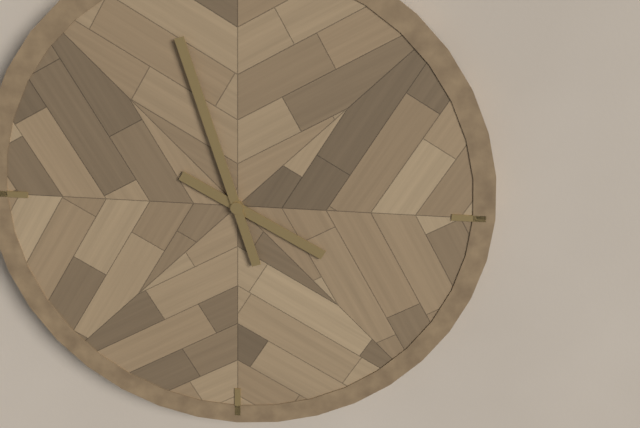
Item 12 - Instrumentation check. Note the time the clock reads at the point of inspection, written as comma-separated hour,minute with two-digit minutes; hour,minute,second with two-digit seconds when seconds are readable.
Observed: 3,57
